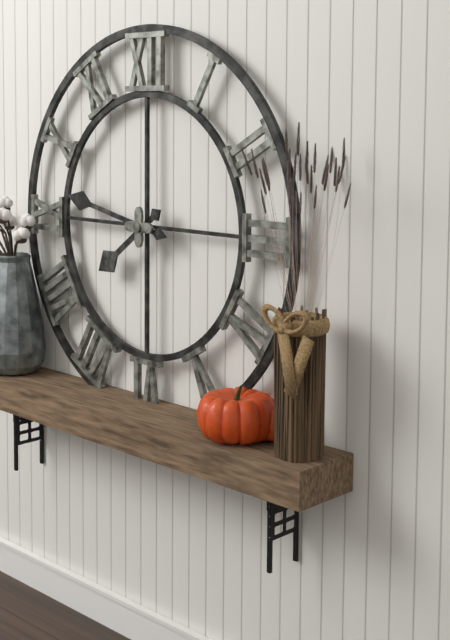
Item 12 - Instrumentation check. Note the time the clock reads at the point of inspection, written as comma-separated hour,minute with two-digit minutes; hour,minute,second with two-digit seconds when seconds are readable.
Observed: 7,47
